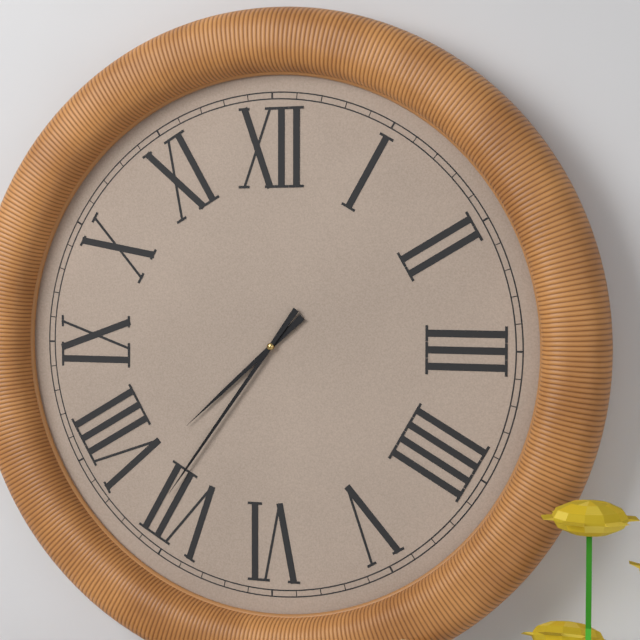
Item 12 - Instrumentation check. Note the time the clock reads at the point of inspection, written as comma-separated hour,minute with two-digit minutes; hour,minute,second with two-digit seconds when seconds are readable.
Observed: 7,36
